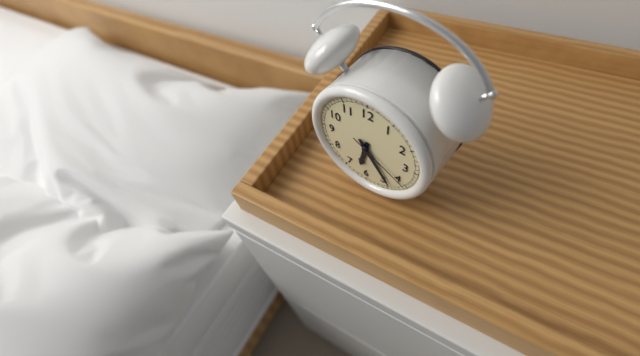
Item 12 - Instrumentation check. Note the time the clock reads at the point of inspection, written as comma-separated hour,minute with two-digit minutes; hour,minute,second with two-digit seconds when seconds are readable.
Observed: 6,24,20
